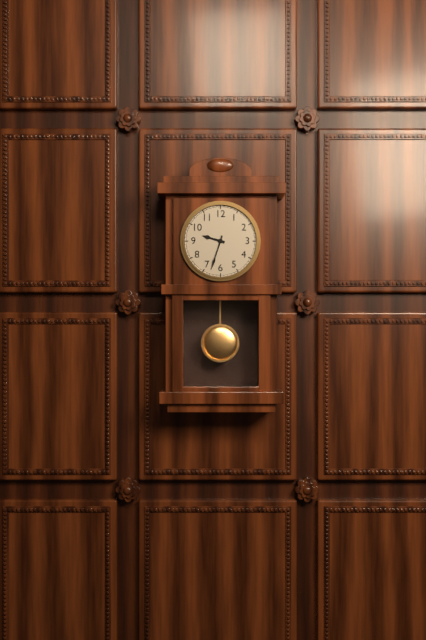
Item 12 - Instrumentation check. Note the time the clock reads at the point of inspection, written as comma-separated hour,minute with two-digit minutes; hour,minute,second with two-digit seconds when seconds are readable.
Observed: 9,33
